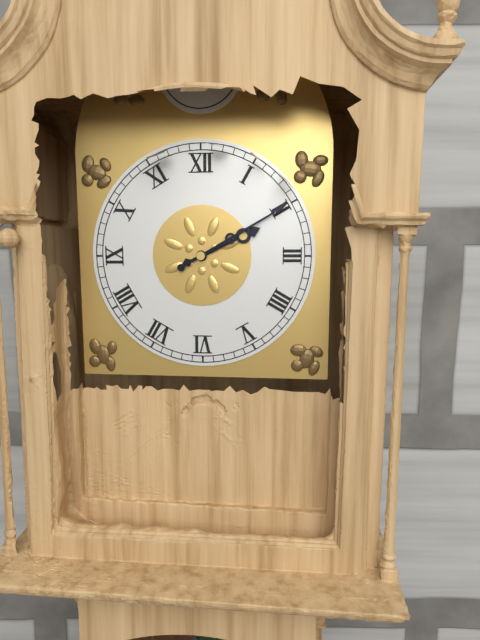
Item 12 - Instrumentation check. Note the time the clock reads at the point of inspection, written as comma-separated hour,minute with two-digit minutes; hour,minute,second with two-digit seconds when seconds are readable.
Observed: 2,10
